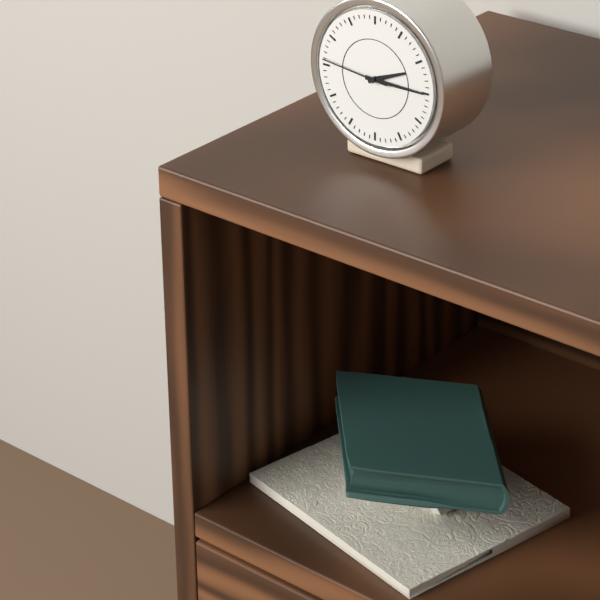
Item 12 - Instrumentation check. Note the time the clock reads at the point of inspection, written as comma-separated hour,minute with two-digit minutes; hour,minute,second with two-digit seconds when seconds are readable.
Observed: 2,15,46
